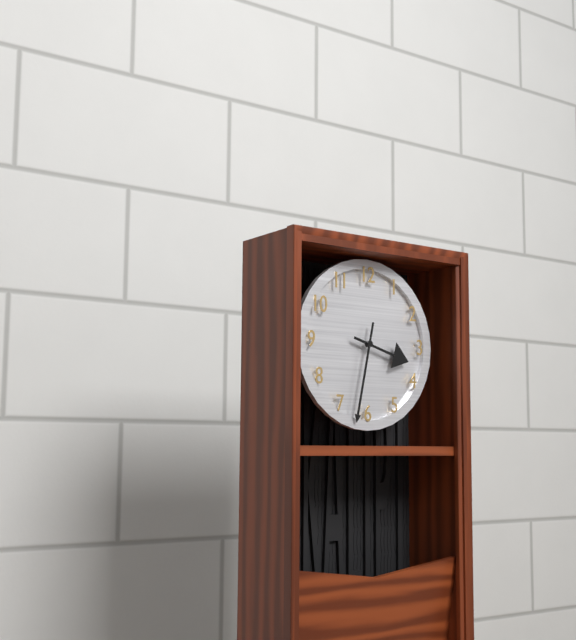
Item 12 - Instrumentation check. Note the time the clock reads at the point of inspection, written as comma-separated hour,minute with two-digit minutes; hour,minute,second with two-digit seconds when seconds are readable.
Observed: 3,32
